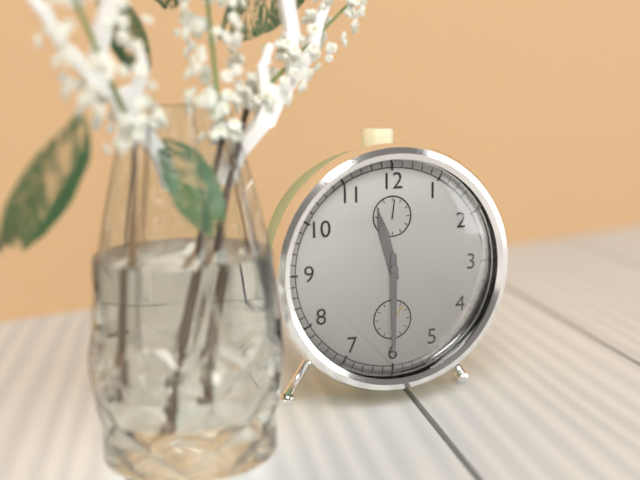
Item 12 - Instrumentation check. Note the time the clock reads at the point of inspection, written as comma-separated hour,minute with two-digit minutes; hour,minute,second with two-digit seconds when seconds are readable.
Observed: 11,30
